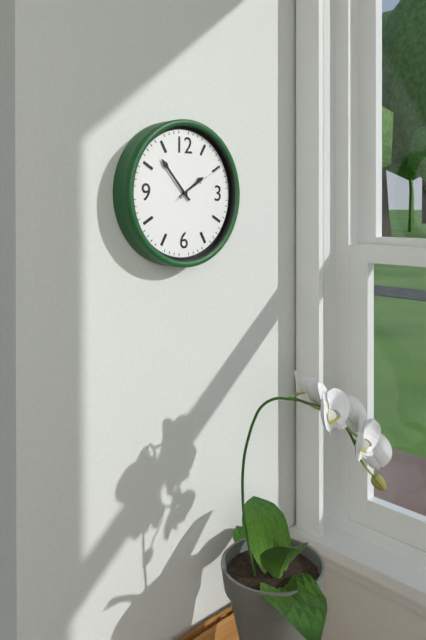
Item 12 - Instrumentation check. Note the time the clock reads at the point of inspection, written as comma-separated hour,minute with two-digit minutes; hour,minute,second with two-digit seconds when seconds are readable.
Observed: 1,53,10
